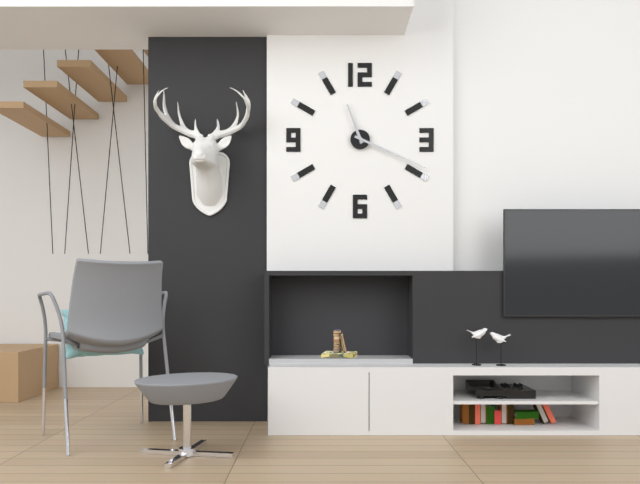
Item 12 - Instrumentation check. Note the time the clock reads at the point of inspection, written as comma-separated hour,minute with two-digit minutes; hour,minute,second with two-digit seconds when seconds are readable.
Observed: 11,19
